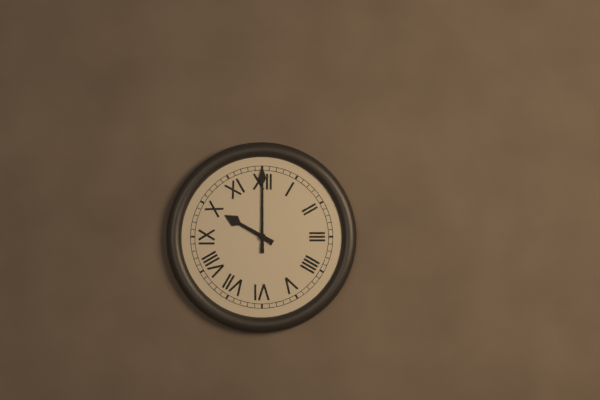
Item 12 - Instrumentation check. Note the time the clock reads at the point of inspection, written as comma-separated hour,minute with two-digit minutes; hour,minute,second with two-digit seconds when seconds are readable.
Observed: 10,00
